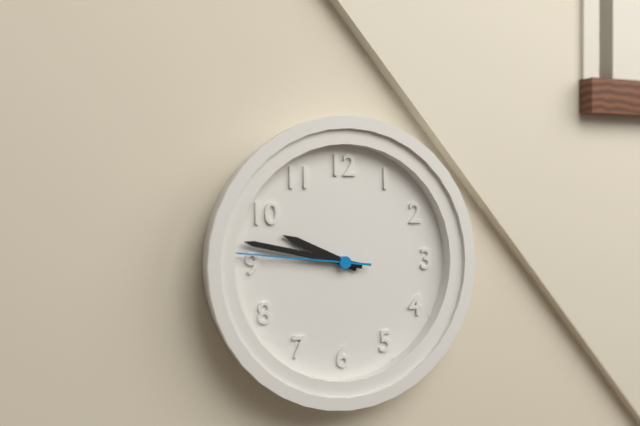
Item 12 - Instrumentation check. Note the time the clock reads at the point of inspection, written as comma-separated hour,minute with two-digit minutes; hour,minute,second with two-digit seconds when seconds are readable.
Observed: 9,47,46
